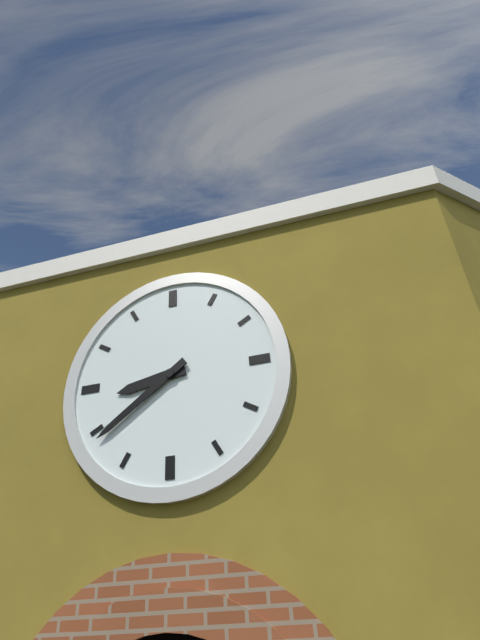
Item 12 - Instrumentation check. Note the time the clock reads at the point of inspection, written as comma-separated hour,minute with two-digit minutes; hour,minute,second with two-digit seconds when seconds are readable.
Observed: 8,39
